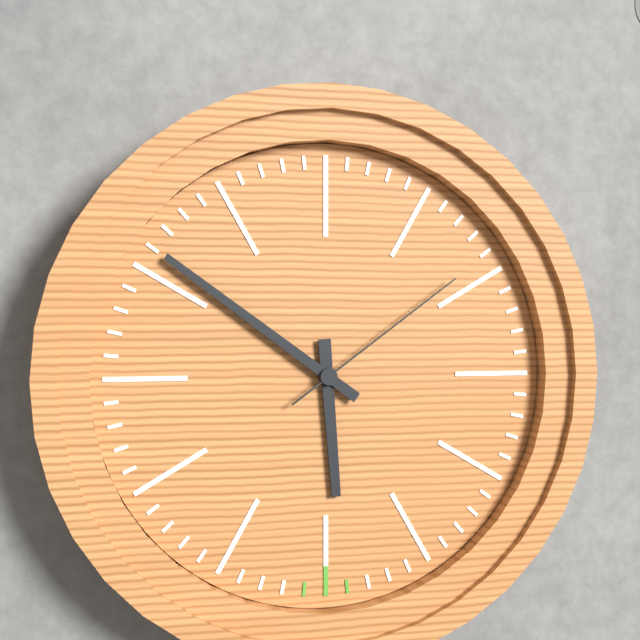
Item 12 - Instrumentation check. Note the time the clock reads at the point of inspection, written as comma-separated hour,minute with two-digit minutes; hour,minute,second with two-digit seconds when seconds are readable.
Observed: 5,51,09
